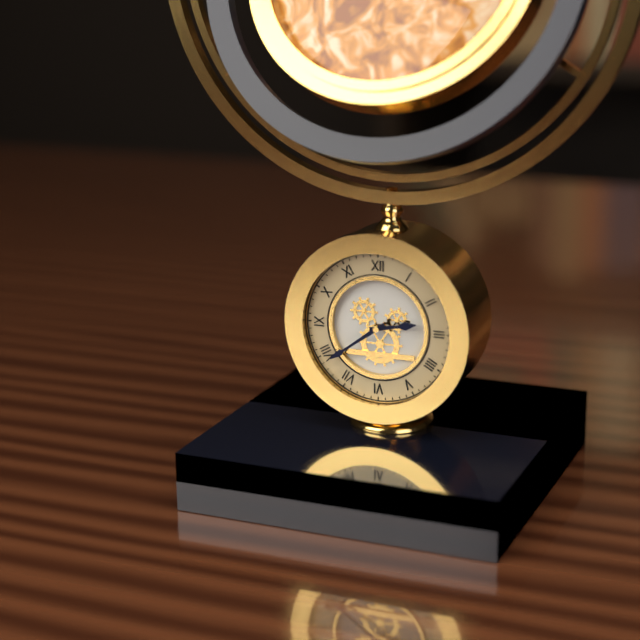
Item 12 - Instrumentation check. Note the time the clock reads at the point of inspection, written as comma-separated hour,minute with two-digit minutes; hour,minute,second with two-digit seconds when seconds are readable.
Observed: 2,39
